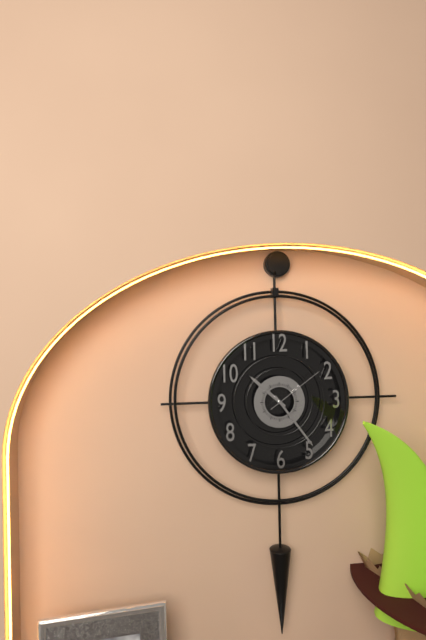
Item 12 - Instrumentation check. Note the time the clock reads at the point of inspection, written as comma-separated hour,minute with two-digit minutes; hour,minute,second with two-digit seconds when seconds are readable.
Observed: 10,24,09
